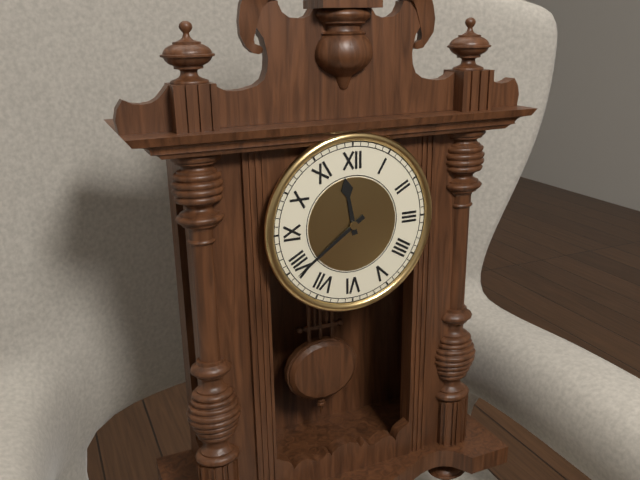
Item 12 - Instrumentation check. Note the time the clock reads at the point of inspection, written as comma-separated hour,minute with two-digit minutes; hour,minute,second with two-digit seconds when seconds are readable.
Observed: 11,39
